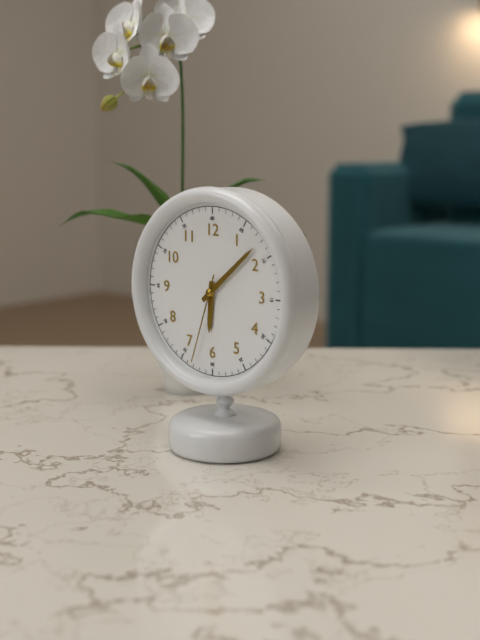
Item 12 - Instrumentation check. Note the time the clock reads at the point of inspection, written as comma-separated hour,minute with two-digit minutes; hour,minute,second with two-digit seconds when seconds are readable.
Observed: 6,08,33
